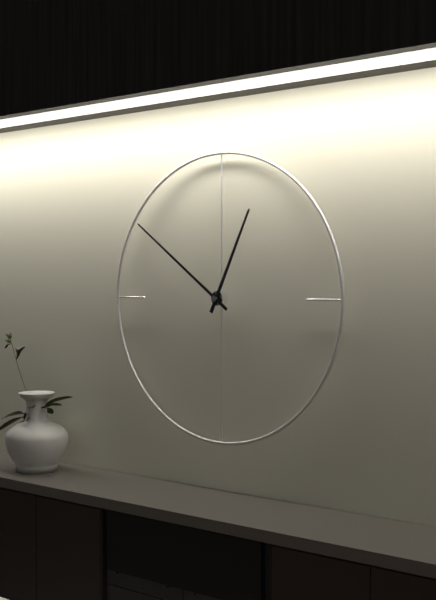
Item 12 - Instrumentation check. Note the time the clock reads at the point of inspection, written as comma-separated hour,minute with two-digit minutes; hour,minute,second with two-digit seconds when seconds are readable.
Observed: 12,51
